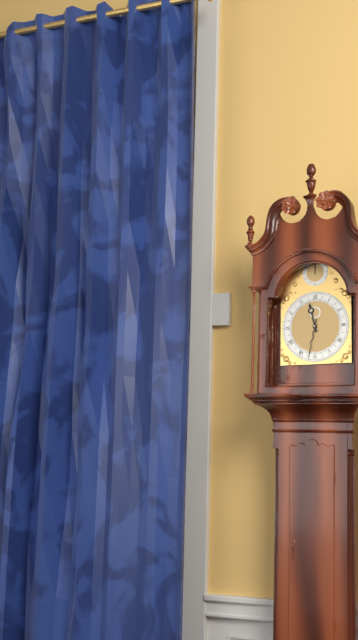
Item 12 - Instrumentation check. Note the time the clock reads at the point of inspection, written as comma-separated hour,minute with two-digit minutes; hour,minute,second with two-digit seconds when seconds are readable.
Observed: 11,32
